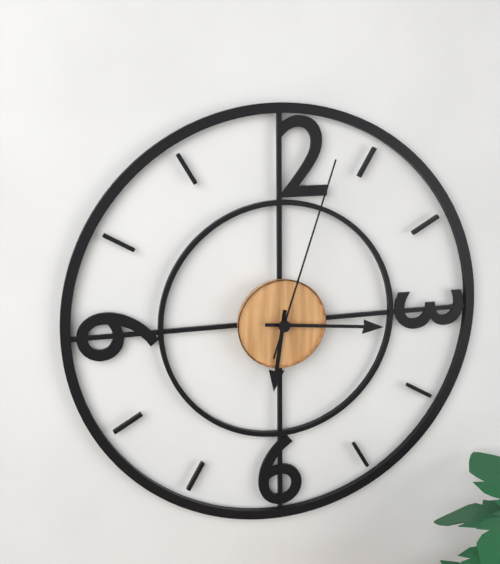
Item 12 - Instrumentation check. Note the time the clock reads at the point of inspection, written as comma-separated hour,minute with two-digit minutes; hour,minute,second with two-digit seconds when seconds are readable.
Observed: 6,16,03
